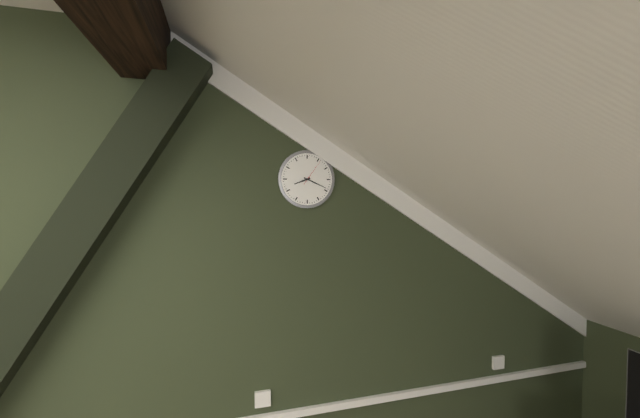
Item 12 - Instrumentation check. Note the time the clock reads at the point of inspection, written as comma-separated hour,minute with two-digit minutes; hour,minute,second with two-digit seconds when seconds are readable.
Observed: 8,19
